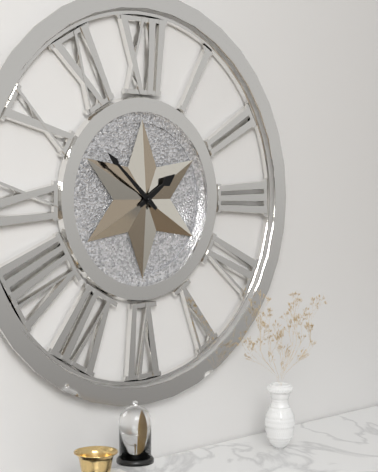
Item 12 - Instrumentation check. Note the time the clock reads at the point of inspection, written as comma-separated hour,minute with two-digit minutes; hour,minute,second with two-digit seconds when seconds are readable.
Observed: 1,52
